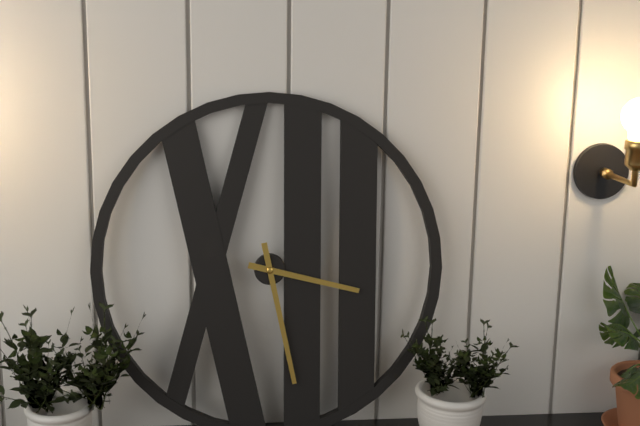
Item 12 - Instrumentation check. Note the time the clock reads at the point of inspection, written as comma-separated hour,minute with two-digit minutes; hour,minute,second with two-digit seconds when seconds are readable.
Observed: 3,28
